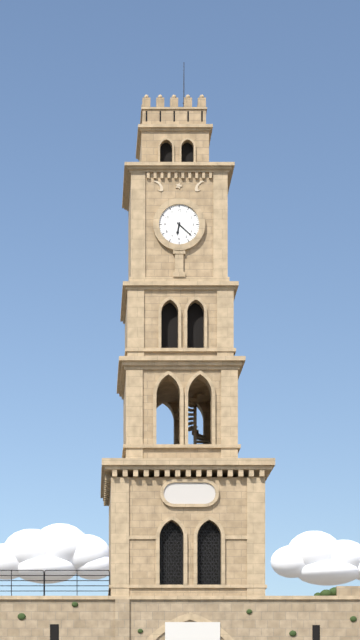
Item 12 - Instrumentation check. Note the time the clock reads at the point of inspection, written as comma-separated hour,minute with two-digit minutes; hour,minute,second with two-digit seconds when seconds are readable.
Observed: 6,22
